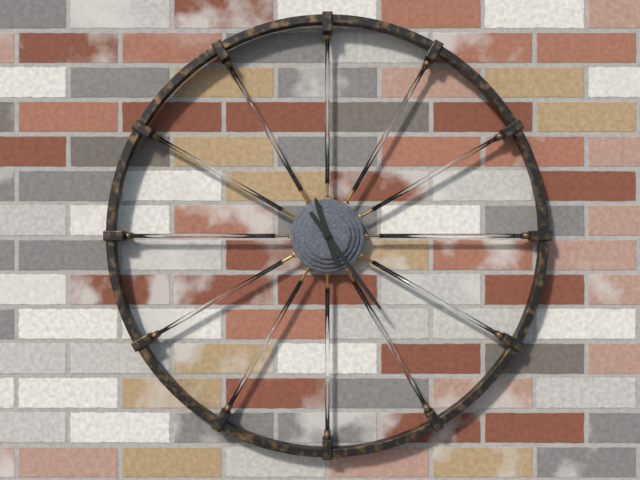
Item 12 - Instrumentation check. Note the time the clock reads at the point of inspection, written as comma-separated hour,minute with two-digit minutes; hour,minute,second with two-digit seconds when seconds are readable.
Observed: 11,24
